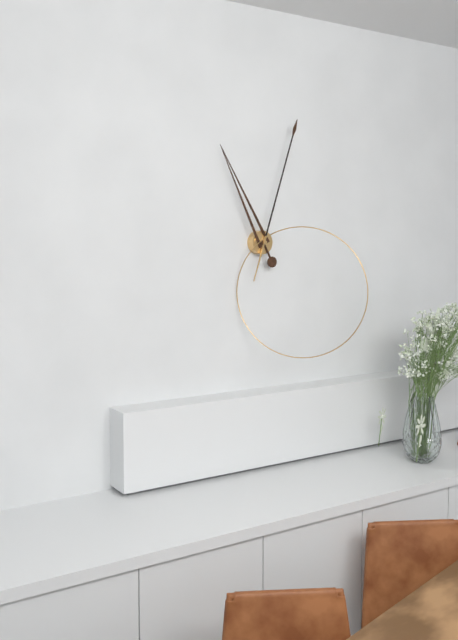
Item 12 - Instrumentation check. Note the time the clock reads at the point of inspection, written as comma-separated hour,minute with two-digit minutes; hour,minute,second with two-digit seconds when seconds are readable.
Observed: 11,03
